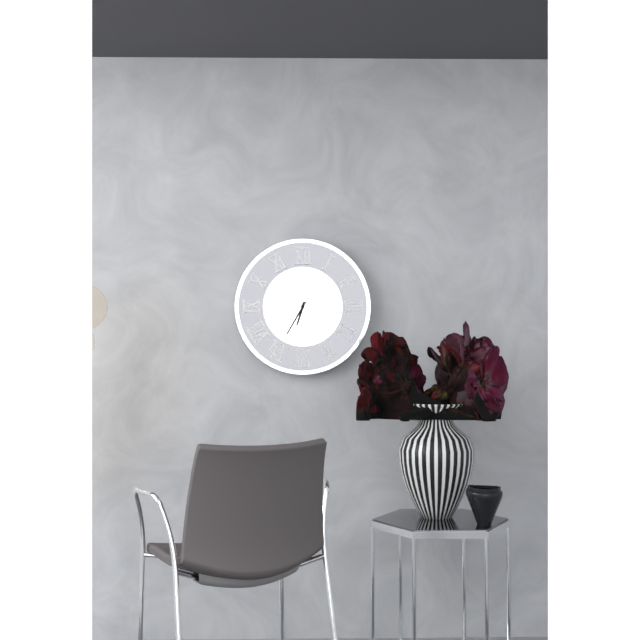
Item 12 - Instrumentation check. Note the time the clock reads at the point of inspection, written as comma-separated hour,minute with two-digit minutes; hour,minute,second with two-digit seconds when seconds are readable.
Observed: 6,35
